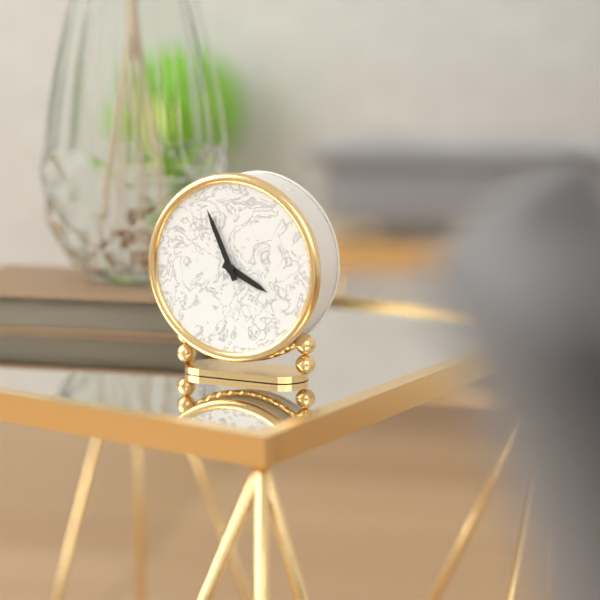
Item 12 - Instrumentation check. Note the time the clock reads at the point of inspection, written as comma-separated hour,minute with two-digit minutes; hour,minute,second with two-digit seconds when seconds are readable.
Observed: 3,56
